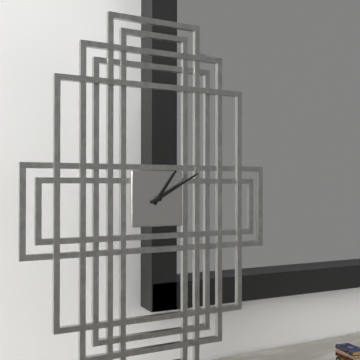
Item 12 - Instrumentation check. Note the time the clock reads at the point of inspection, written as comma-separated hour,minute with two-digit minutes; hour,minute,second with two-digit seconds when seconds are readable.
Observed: 1,10
